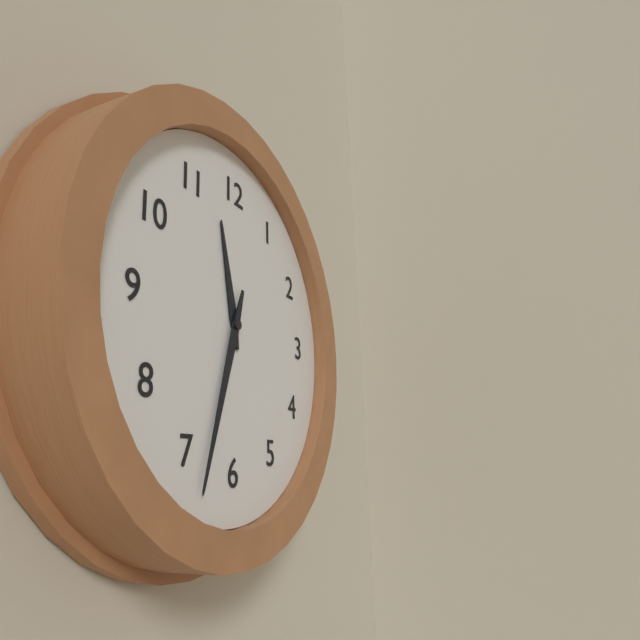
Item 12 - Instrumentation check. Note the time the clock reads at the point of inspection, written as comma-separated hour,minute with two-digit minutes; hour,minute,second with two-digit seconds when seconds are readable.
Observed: 11,33
